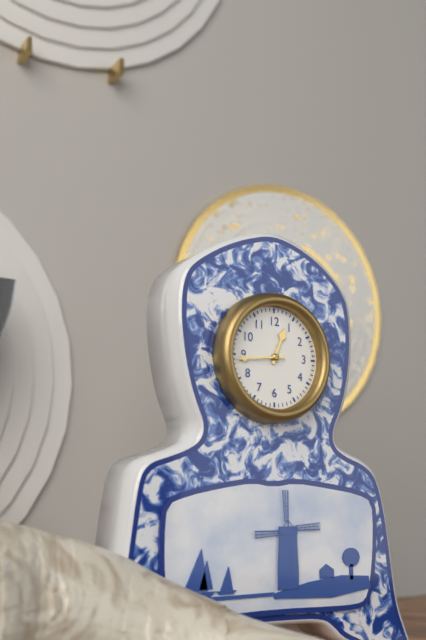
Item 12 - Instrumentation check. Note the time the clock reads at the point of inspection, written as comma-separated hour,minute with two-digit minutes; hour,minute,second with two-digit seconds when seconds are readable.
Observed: 12,44
